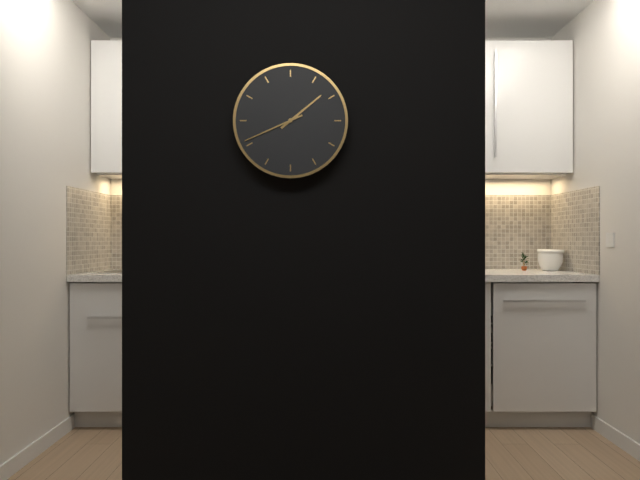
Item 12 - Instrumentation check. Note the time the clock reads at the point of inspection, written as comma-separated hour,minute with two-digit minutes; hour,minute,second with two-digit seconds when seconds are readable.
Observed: 1,41
